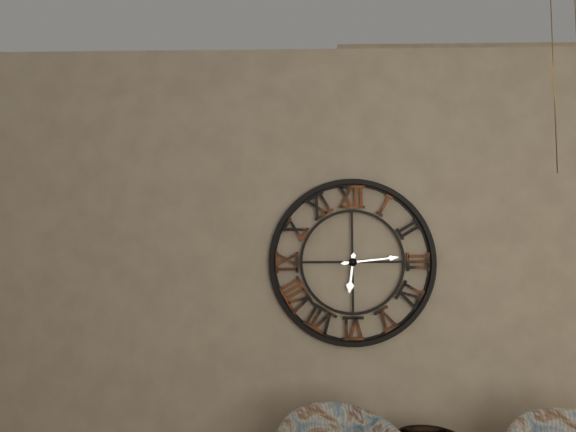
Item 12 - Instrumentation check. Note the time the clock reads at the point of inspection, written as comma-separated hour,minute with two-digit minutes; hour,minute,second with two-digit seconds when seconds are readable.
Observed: 6,14
